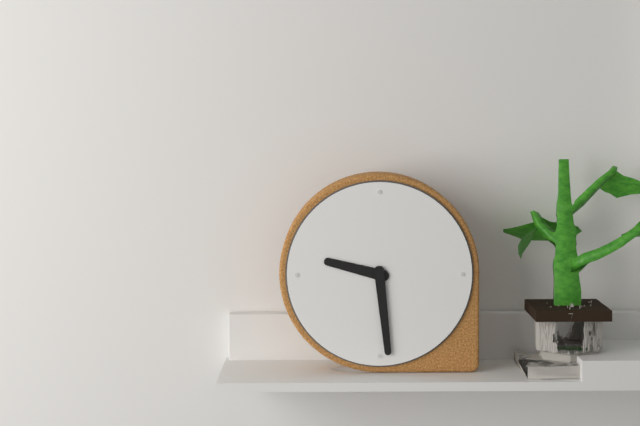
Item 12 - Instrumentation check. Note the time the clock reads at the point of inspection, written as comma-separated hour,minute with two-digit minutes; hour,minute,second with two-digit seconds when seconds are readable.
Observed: 9,29
